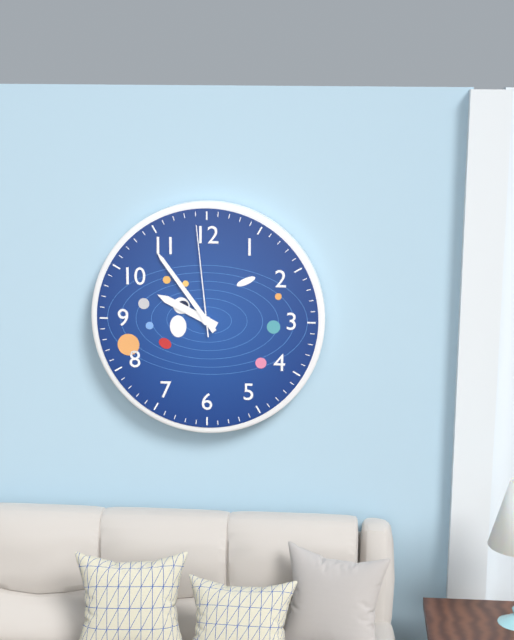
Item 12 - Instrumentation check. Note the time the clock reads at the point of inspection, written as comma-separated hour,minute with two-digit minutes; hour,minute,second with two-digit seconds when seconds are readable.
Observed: 9,54,59
